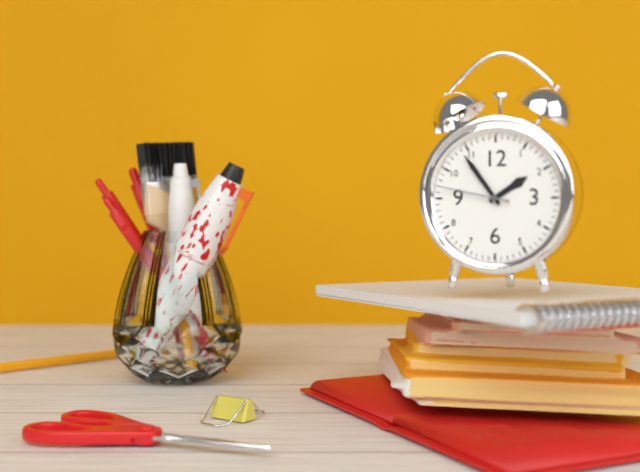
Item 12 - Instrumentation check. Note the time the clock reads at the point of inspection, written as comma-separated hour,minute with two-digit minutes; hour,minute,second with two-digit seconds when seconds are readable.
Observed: 1,54,47
